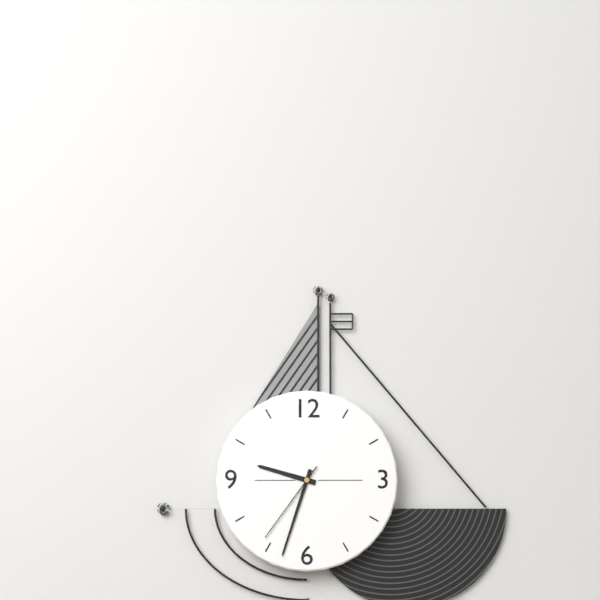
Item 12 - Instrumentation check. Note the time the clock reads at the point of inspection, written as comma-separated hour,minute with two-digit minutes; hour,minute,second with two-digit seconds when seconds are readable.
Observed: 9,33,36
